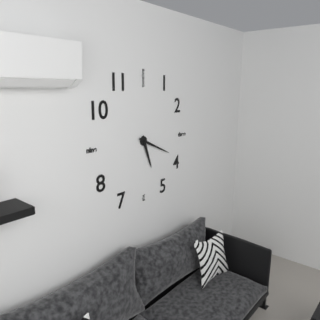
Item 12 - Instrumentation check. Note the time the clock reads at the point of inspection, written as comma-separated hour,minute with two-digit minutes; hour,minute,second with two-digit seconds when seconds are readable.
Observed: 5,19
